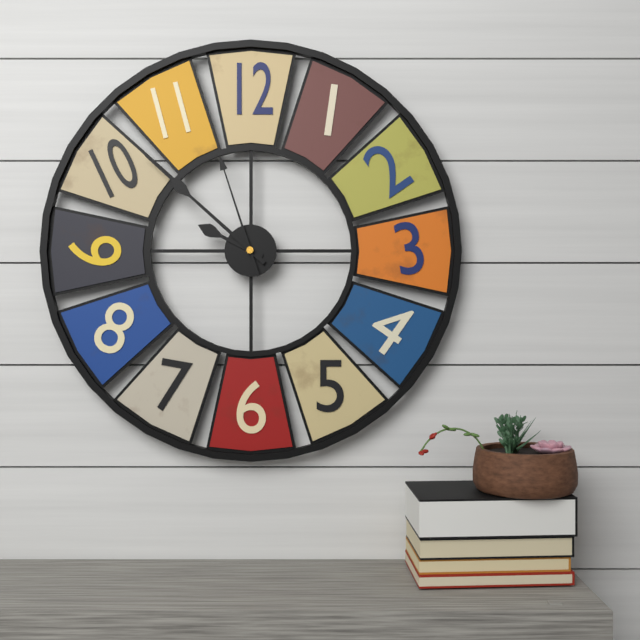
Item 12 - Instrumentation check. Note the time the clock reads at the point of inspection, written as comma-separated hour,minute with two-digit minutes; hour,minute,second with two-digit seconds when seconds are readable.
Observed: 9,52,57
